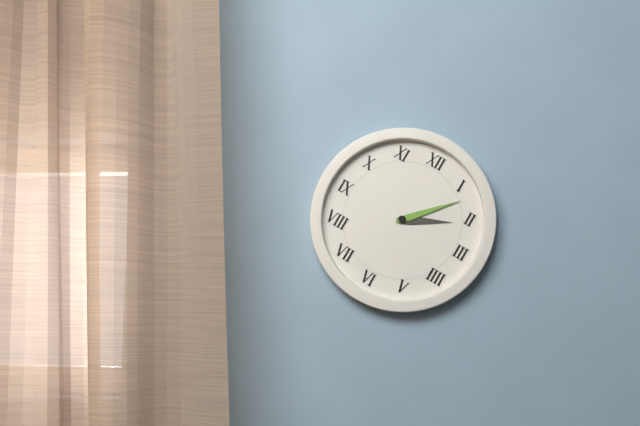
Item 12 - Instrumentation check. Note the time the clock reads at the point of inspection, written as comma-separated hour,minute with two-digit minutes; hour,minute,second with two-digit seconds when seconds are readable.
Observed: 2,07
